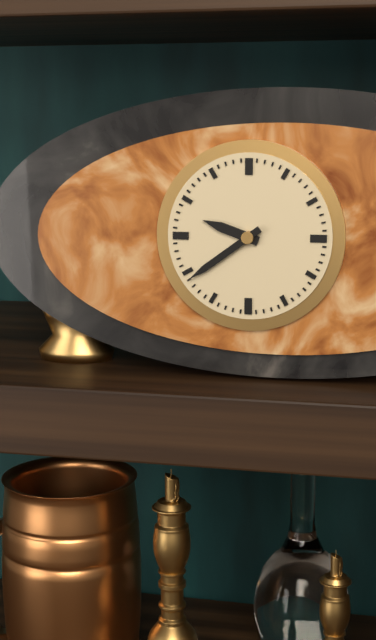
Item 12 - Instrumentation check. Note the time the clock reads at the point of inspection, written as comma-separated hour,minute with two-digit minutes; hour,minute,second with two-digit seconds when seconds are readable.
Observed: 9,39
